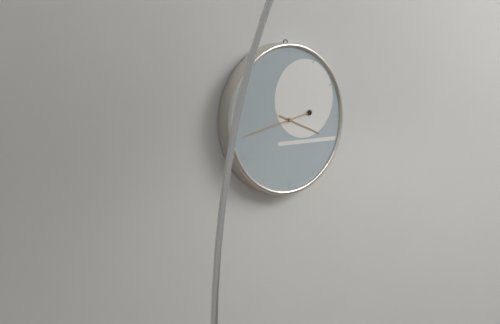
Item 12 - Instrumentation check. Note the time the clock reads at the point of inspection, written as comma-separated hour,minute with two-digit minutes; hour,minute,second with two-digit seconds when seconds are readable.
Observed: 3,43
